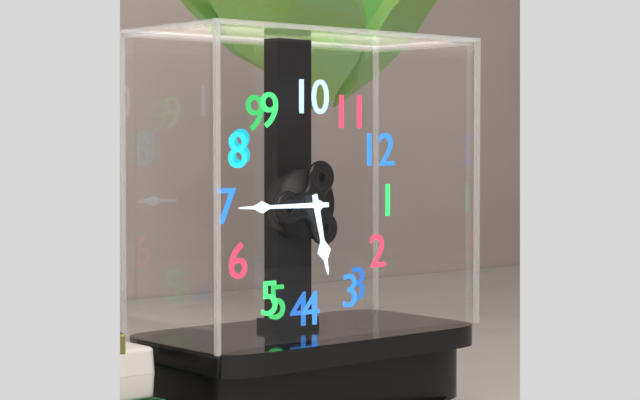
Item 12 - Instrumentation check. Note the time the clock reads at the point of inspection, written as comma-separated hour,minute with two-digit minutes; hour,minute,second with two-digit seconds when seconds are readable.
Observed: 3,35
